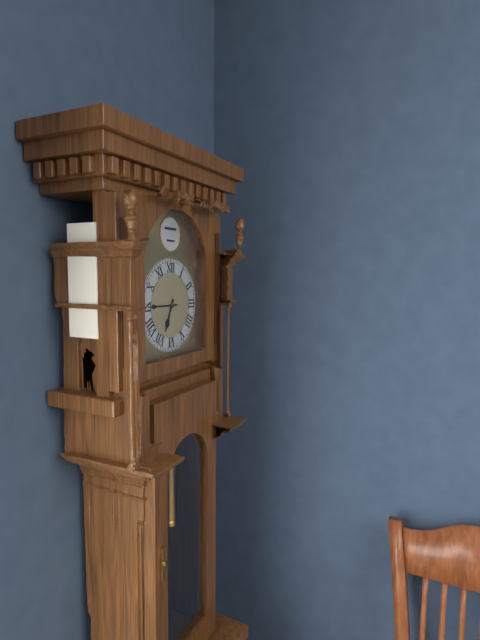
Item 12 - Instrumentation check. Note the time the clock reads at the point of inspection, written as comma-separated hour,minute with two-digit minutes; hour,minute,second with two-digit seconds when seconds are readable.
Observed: 6,45
